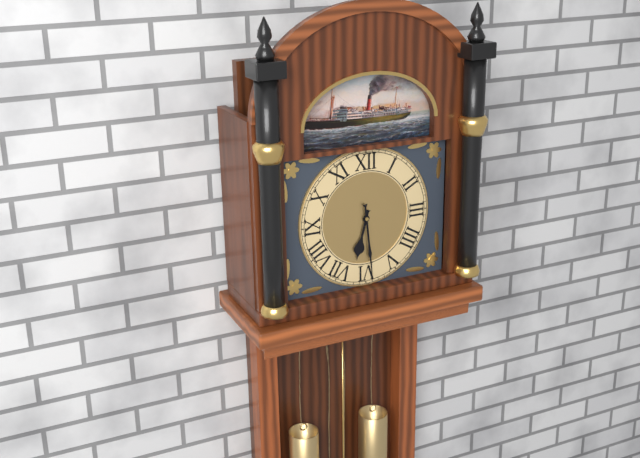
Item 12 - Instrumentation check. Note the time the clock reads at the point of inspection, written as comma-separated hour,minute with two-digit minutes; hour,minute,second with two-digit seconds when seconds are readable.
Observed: 6,29
